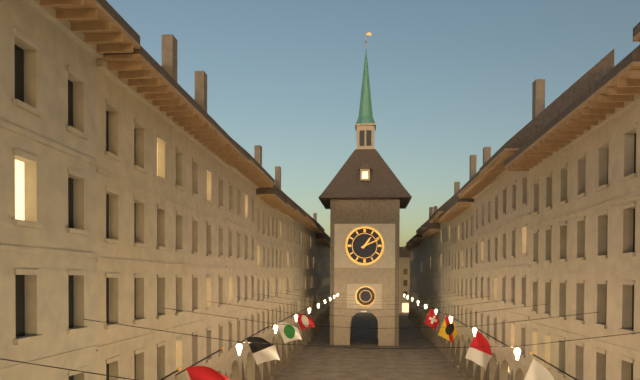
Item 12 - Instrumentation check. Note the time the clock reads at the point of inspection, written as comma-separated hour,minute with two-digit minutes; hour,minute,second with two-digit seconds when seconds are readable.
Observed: 1,11
